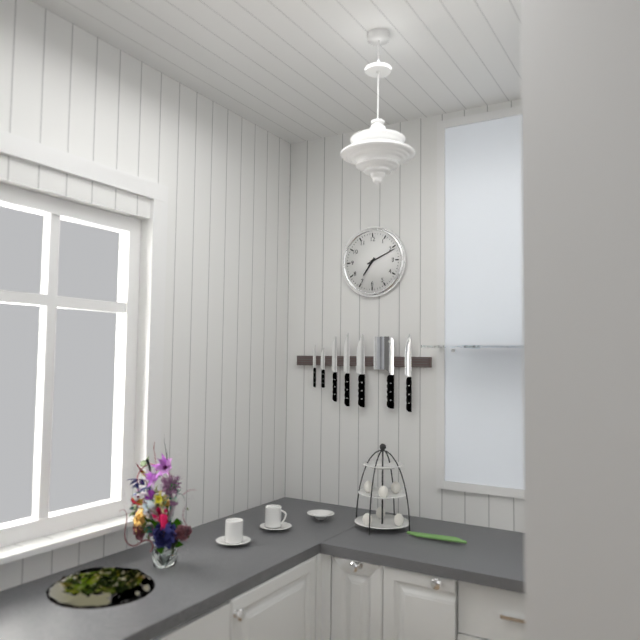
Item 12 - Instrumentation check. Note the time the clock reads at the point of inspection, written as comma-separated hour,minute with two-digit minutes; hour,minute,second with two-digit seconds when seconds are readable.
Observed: 7,11
